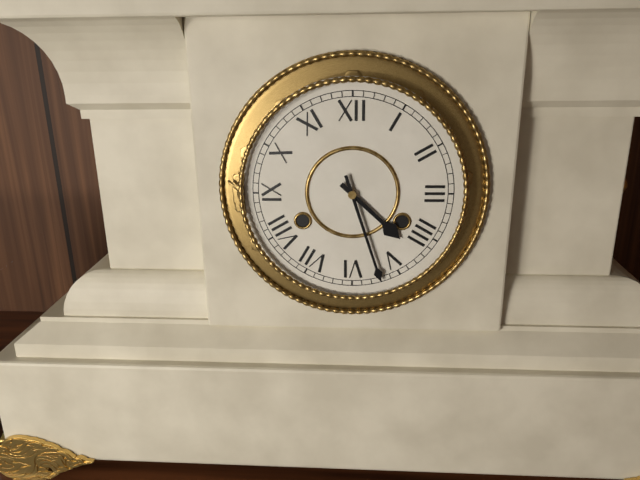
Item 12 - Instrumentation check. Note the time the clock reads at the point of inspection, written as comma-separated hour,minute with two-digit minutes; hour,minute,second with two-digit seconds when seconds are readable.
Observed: 4,27
